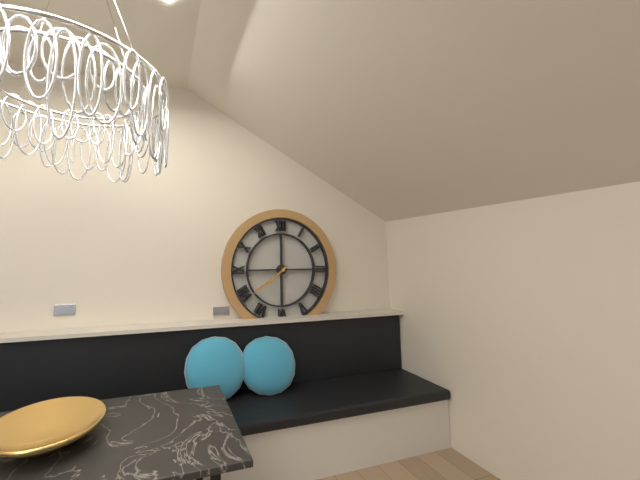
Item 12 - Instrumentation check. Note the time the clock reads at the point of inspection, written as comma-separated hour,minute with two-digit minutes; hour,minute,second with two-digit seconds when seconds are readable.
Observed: 7,39
